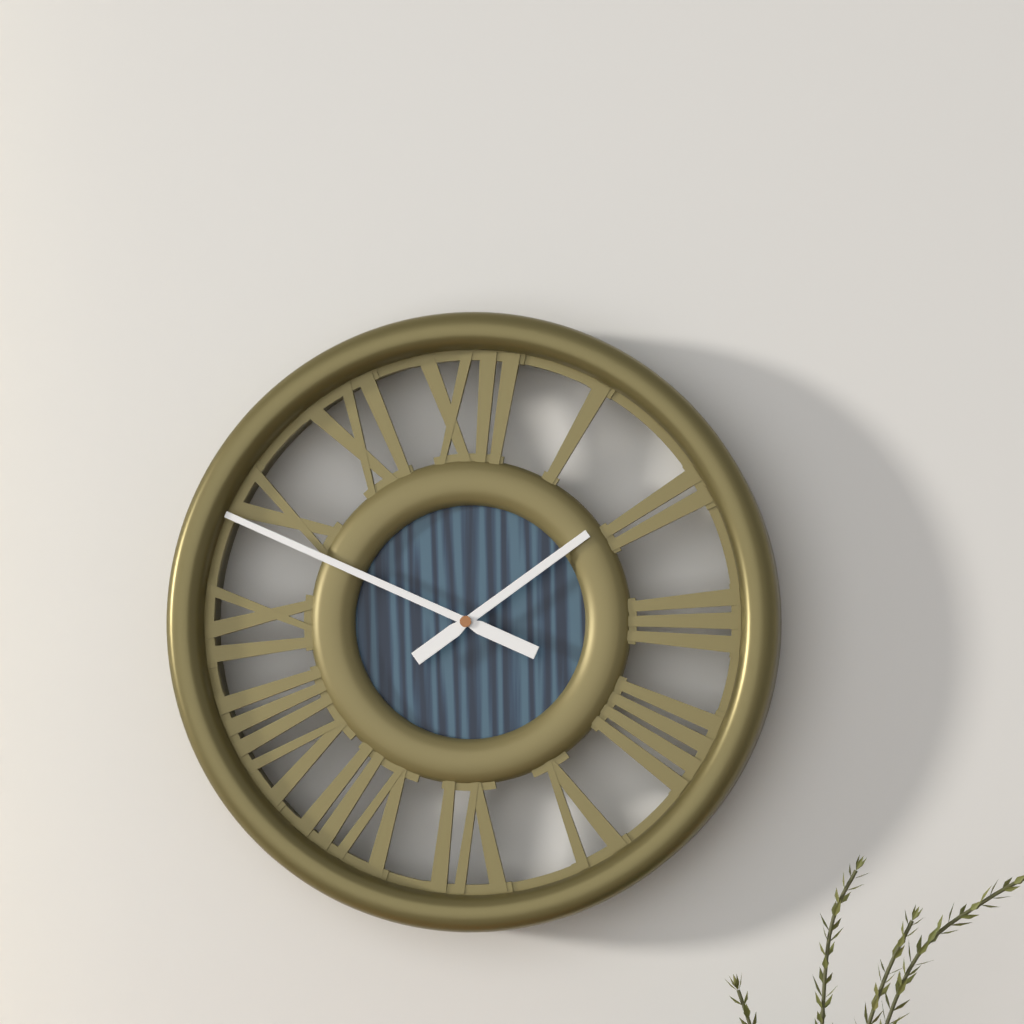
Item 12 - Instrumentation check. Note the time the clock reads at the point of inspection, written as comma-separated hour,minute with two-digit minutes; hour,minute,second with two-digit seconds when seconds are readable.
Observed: 1,49
